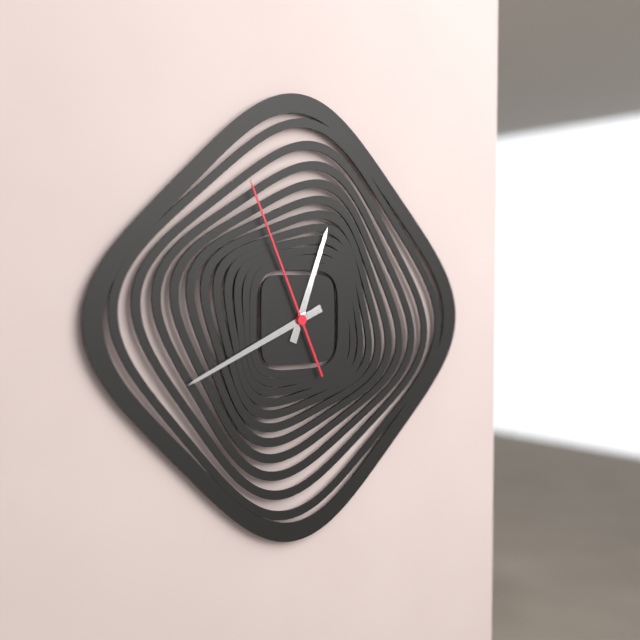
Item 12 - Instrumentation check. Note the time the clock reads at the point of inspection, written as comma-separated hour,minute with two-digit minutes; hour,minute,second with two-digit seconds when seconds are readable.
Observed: 12,41,56
